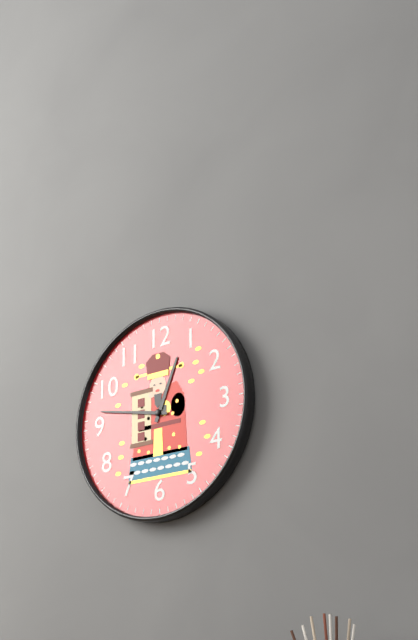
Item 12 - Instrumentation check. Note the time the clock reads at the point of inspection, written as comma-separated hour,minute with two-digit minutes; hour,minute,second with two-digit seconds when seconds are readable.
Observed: 12,47
